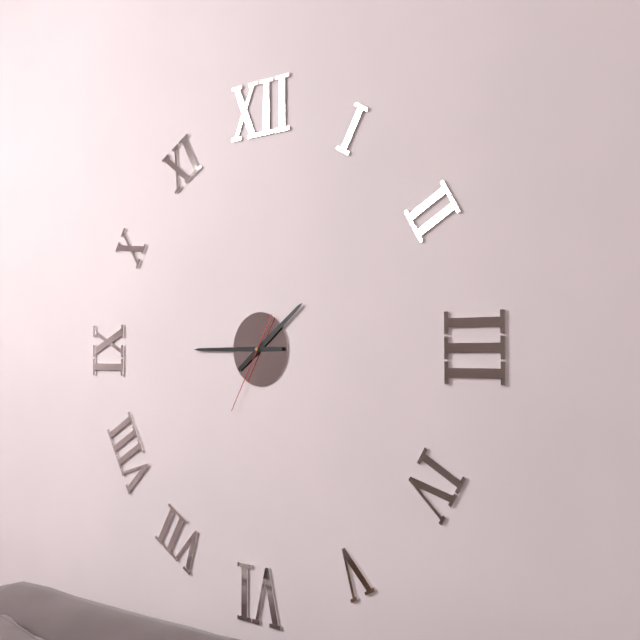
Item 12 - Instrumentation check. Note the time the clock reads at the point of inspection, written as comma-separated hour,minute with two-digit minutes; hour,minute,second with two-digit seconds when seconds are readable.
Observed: 1,45,35
